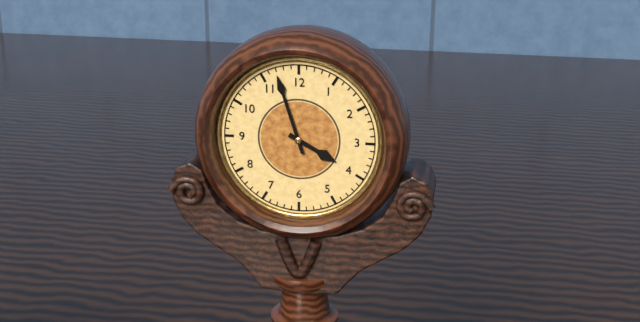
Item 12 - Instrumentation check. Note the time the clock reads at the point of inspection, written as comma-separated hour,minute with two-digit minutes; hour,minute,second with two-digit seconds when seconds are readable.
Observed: 3,57
